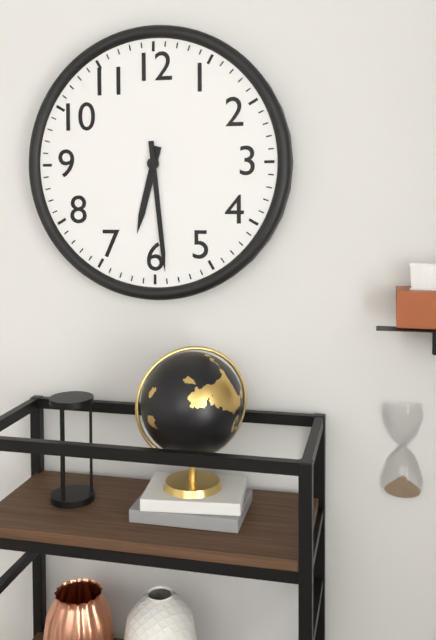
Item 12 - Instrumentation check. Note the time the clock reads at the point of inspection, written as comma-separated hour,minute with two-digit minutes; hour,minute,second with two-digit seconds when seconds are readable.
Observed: 6,29
